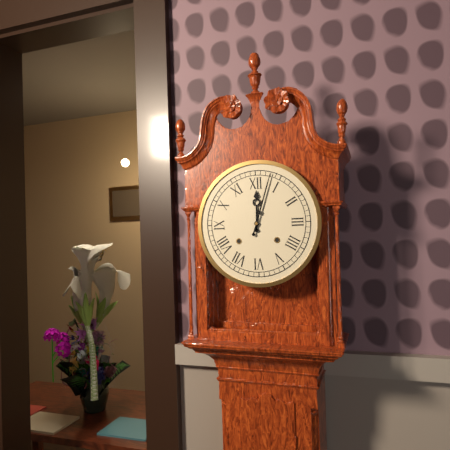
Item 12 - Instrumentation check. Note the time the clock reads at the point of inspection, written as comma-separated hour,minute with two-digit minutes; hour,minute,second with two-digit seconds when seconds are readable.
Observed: 12,03
